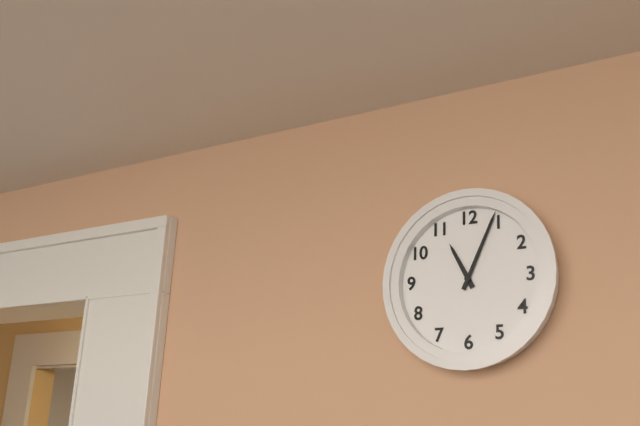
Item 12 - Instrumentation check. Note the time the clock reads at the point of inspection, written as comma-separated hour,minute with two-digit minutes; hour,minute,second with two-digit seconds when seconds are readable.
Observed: 11,04
